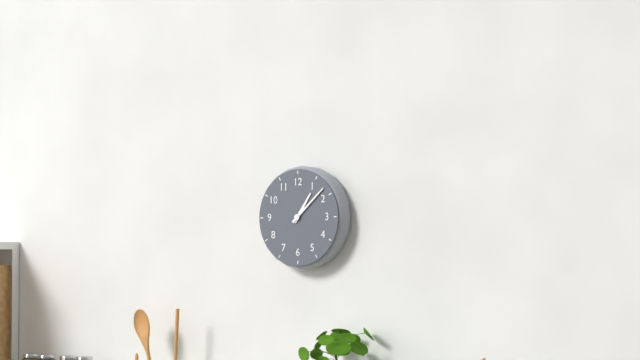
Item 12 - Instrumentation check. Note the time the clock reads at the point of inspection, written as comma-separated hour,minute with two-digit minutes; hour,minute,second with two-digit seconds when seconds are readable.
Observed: 1,08
